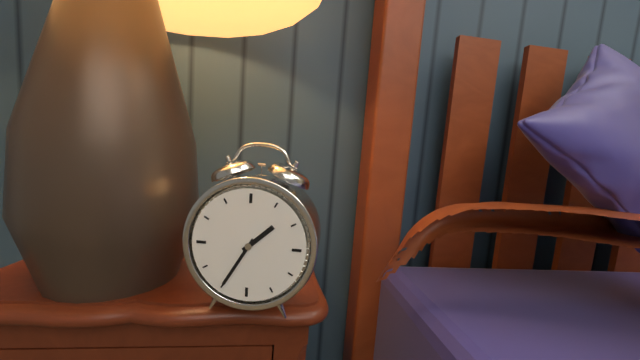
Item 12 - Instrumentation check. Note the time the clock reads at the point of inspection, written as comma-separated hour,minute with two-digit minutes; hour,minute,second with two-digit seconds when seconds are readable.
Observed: 1,35
